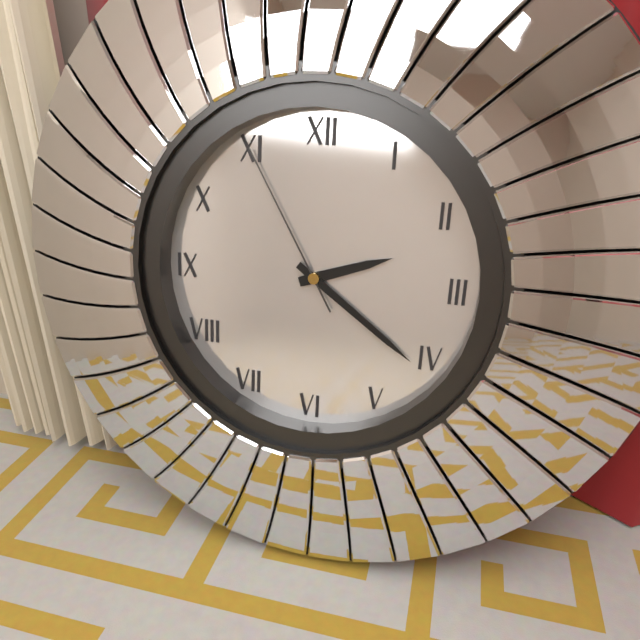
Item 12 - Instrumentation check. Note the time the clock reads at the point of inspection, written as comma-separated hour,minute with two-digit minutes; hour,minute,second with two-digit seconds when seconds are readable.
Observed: 2,21,55
